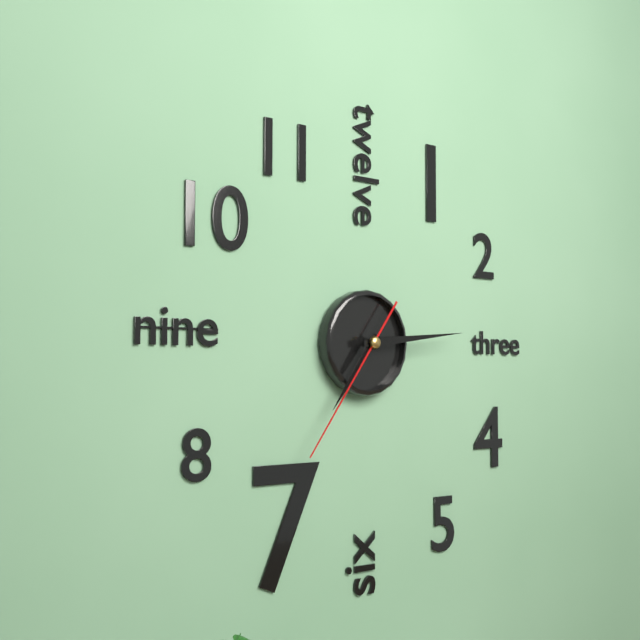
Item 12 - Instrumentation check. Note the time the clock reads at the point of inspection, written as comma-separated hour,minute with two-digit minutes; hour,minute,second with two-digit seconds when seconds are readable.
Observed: 7,14,36
